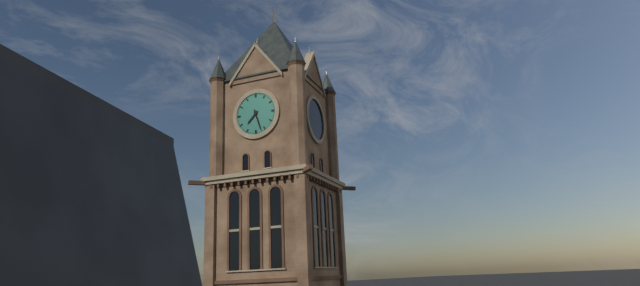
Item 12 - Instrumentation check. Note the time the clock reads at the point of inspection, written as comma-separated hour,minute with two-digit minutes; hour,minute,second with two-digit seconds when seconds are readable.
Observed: 7,27
